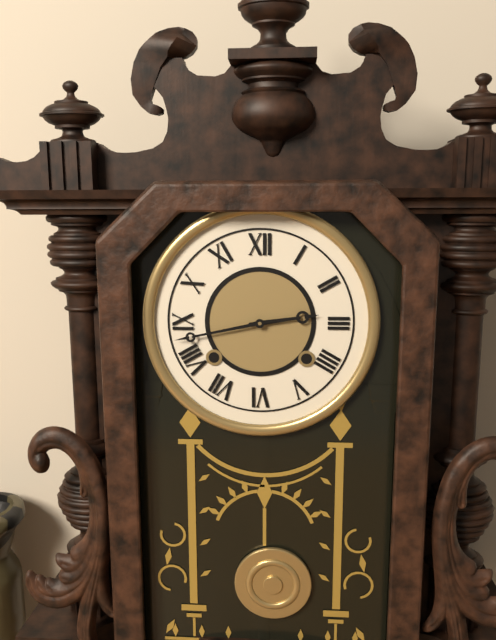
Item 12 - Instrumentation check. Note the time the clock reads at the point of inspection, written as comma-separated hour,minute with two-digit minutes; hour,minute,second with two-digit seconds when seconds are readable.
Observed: 2,43
